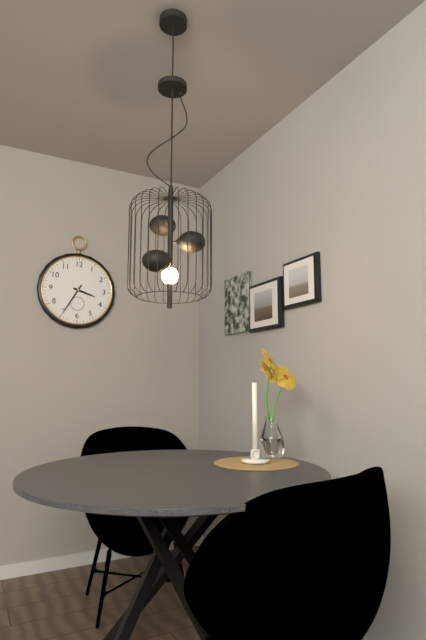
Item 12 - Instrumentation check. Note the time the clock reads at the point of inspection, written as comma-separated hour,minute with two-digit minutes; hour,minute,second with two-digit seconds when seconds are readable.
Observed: 3,35
